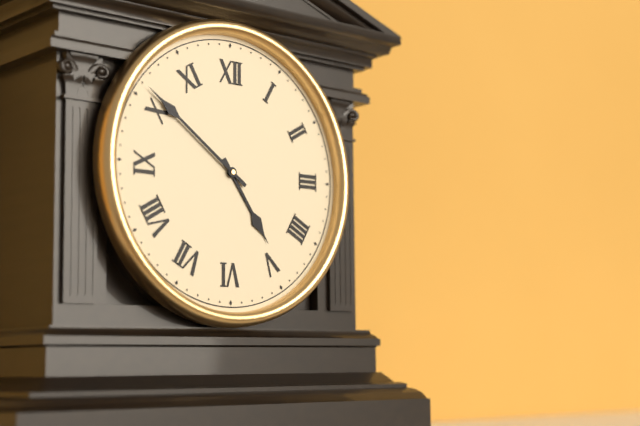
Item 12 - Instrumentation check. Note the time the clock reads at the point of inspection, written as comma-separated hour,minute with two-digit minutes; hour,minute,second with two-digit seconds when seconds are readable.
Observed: 4,51
